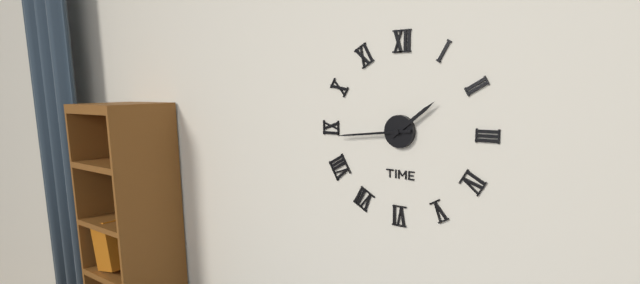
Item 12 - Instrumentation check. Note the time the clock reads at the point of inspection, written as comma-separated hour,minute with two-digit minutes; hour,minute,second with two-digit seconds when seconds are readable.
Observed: 1,44
